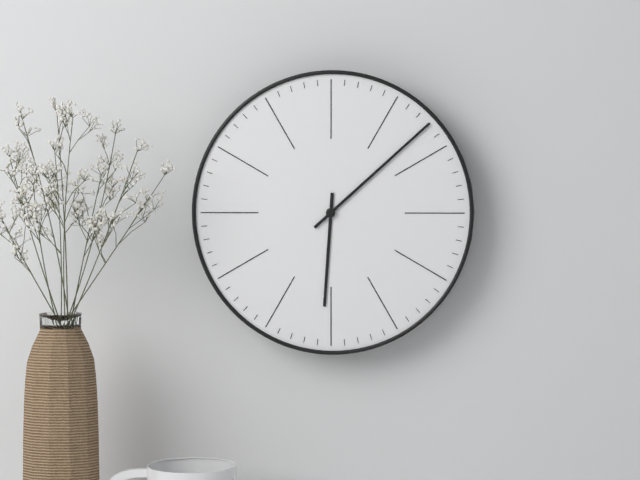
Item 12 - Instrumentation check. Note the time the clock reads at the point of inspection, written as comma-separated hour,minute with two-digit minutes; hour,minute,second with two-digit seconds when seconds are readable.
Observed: 6,08
